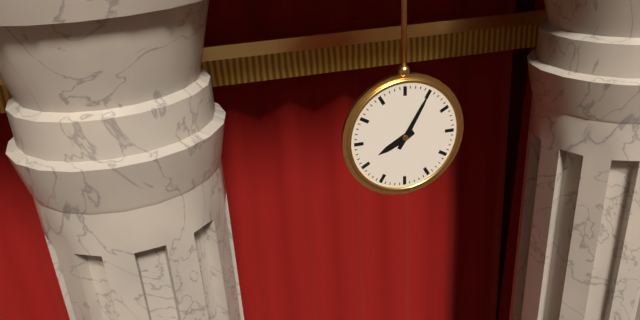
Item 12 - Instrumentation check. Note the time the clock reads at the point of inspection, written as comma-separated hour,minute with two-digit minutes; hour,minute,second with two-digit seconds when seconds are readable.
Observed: 8,05
